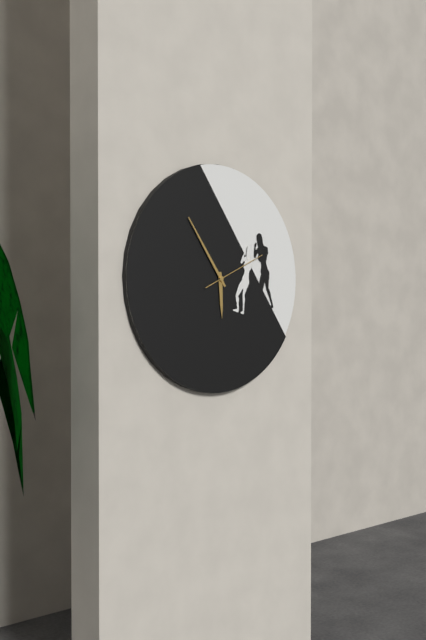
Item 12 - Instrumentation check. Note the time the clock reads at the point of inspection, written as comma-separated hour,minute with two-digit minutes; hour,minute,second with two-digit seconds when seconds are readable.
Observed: 5,54,11
